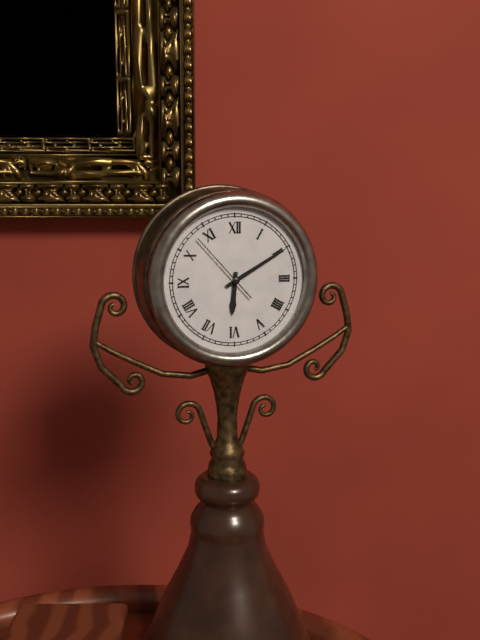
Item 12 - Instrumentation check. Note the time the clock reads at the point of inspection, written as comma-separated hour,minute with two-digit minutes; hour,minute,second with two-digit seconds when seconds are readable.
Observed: 6,10,53
